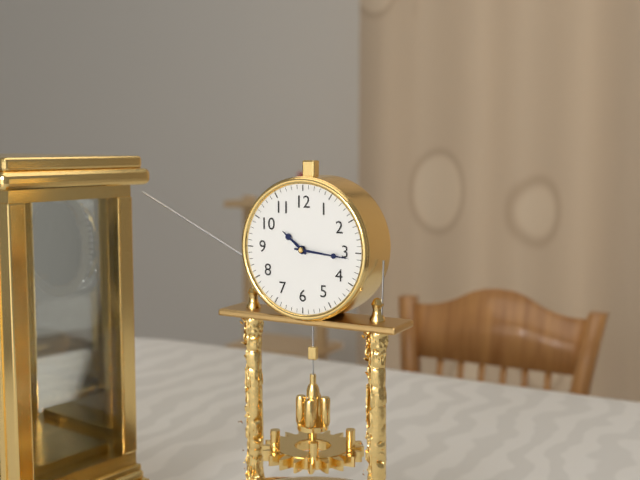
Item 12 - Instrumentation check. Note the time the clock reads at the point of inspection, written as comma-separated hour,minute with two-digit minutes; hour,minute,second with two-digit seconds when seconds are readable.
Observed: 10,16
